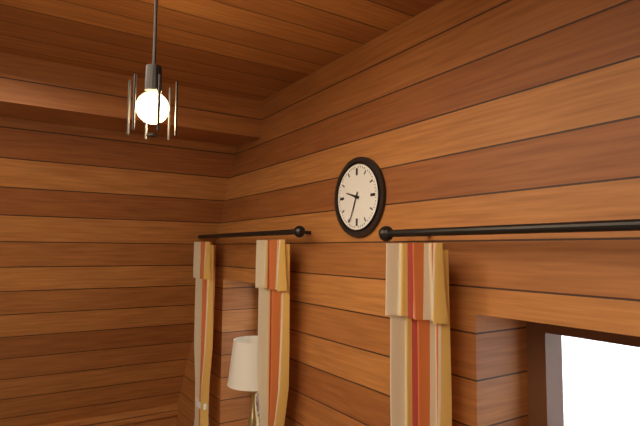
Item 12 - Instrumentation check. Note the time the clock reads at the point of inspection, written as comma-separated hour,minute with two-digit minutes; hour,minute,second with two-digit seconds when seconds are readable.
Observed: 9,34
